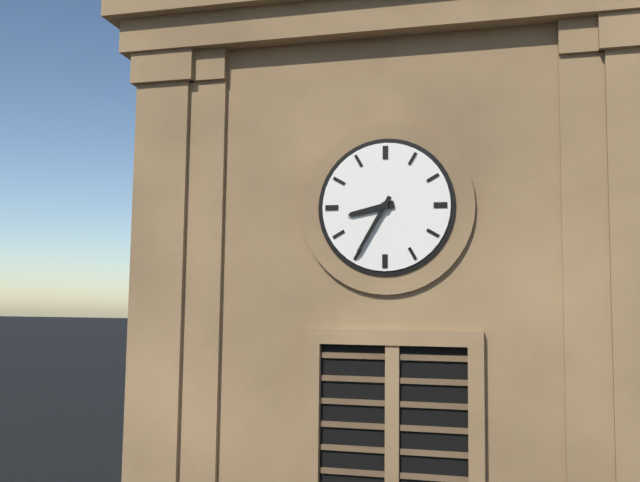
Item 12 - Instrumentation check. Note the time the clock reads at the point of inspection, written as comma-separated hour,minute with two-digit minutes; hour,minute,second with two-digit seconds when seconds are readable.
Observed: 8,35
